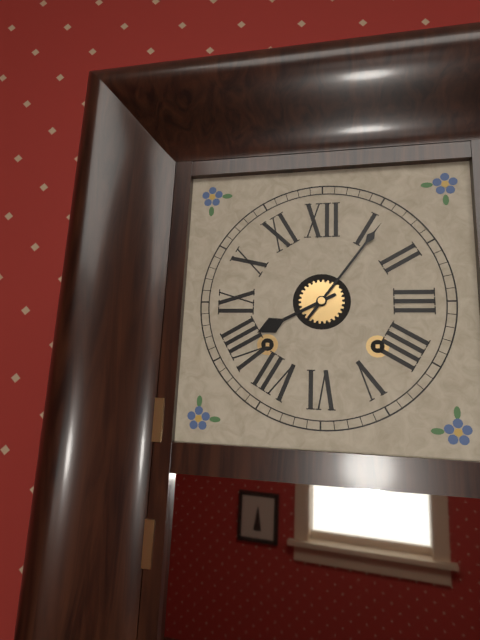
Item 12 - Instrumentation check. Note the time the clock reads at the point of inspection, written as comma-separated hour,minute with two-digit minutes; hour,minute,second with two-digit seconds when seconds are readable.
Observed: 8,06
